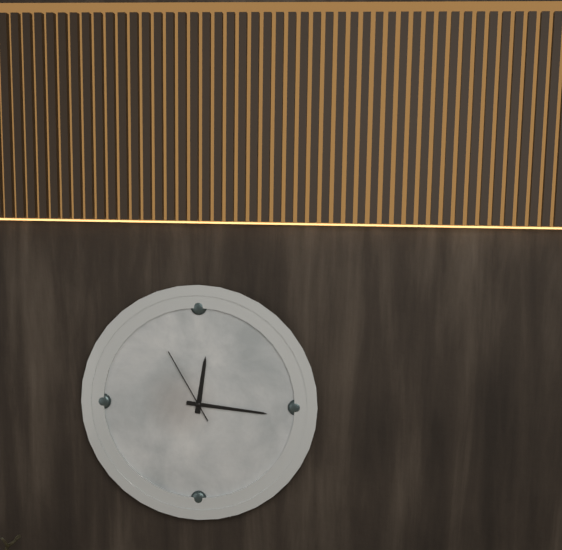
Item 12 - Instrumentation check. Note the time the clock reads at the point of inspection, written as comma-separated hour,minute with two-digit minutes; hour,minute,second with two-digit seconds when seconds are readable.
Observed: 12,16,55
